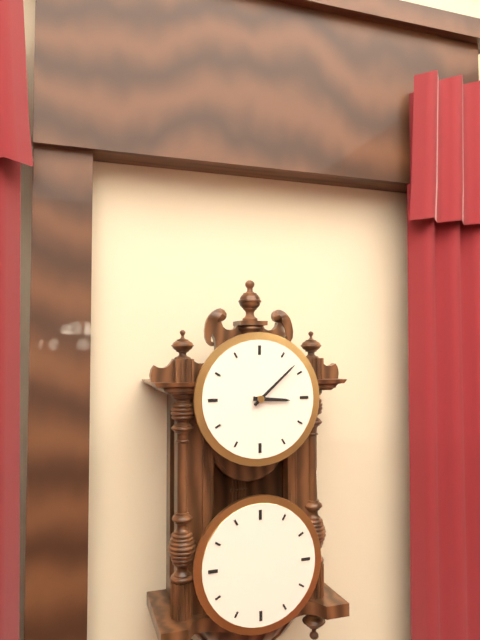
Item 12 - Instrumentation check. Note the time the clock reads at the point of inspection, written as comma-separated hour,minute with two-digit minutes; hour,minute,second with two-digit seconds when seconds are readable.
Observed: 3,08
